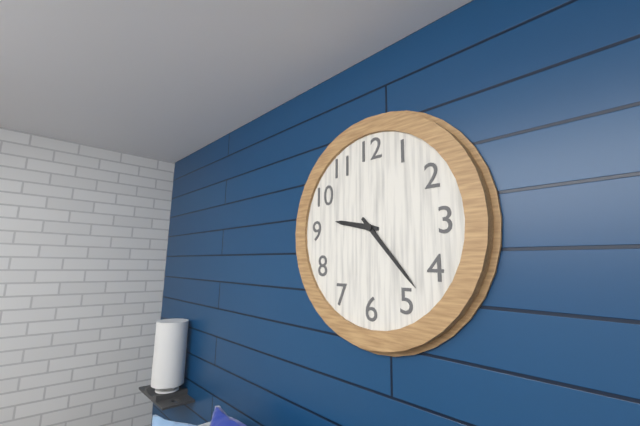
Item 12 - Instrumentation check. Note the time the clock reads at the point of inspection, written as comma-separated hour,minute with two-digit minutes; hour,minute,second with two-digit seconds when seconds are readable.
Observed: 9,23
